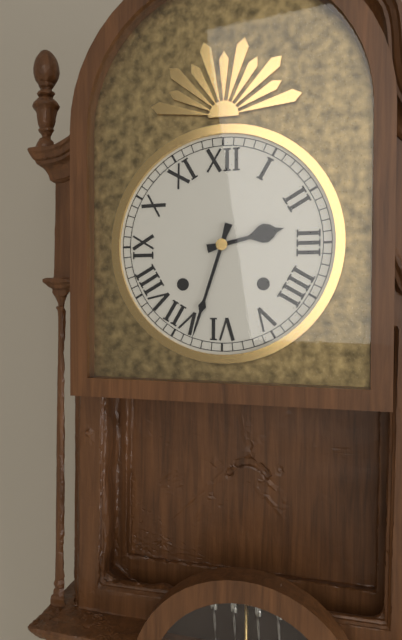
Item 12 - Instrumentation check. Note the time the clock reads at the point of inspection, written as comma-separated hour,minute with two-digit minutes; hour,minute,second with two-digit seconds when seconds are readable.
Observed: 2,33
